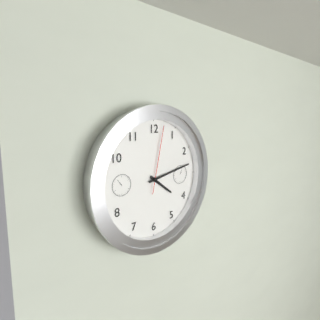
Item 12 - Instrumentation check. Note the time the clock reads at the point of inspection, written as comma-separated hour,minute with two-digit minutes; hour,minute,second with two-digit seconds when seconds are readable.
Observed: 4,13,02
